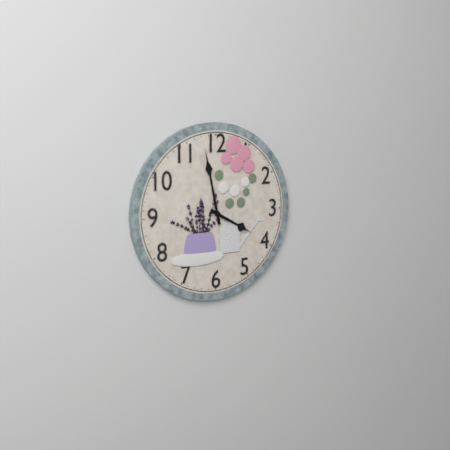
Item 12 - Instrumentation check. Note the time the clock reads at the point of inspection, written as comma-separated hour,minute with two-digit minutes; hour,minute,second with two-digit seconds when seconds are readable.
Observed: 3,58
